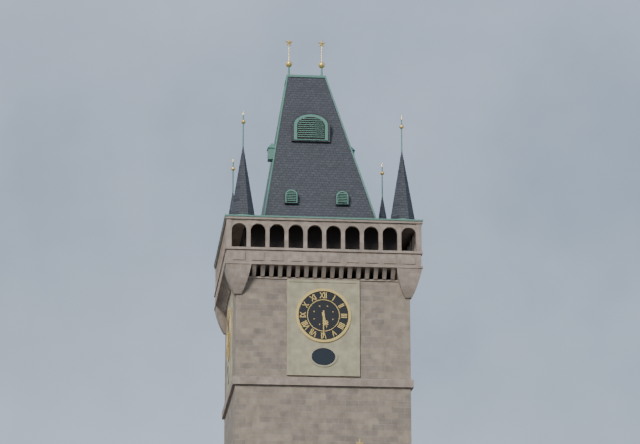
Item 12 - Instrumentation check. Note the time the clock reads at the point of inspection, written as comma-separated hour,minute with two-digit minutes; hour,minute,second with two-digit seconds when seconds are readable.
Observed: 5,30
